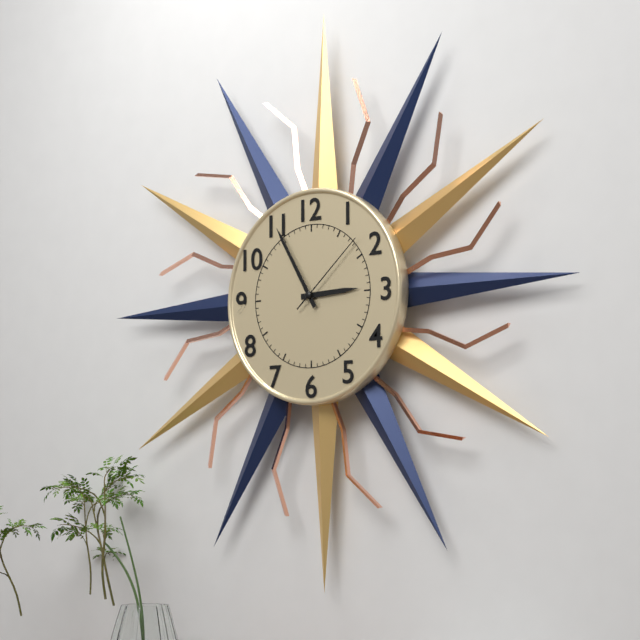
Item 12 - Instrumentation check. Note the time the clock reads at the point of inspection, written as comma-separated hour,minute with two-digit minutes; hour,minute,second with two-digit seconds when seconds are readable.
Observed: 2,55,08
